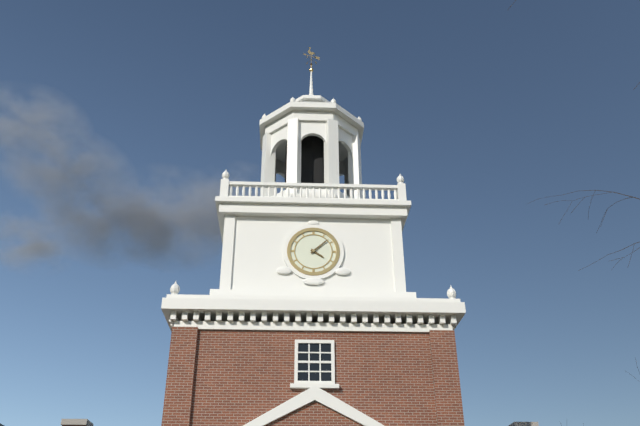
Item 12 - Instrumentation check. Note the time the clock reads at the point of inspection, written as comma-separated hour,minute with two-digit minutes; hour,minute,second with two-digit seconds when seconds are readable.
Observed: 4,08
